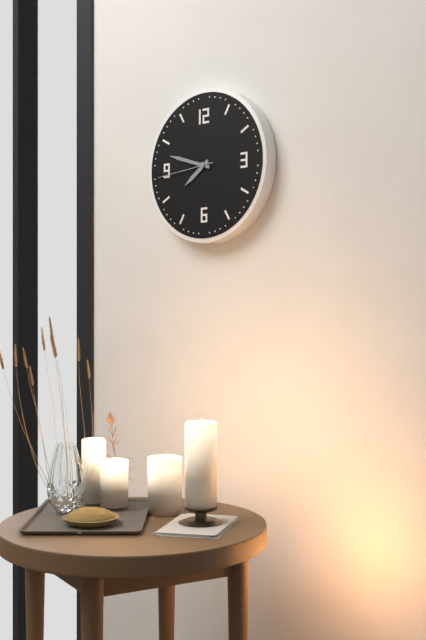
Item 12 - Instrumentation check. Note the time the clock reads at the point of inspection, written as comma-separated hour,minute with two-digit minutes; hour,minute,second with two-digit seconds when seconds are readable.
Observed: 7,48,44
